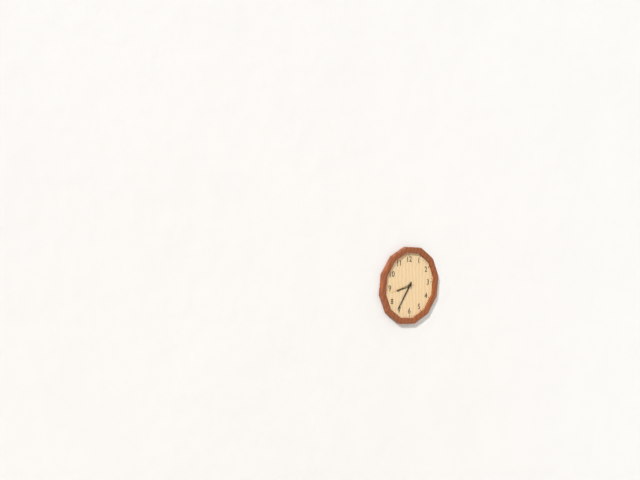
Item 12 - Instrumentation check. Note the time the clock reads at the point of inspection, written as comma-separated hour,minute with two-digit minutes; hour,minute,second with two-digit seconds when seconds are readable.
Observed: 8,36
